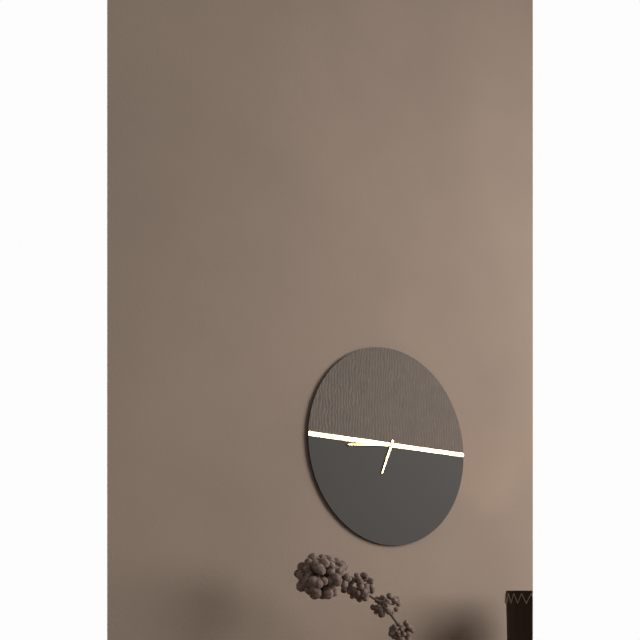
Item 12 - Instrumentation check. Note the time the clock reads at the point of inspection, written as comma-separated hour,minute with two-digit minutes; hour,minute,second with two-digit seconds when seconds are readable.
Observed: 6,44
